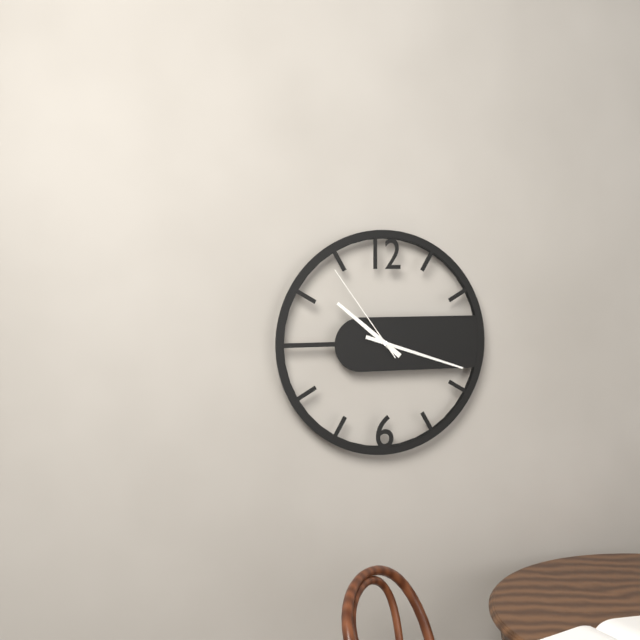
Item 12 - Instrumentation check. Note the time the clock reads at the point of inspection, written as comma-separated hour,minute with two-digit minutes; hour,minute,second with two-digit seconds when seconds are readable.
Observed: 10,18,54
